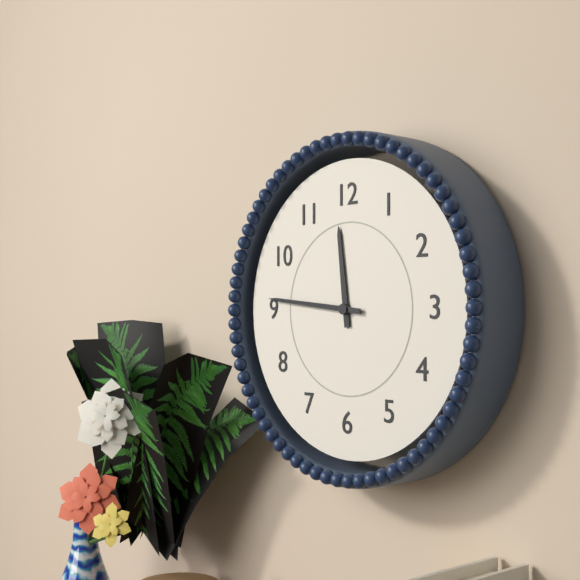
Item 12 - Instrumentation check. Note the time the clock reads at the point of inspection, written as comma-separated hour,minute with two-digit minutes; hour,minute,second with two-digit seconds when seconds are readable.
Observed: 11,46
